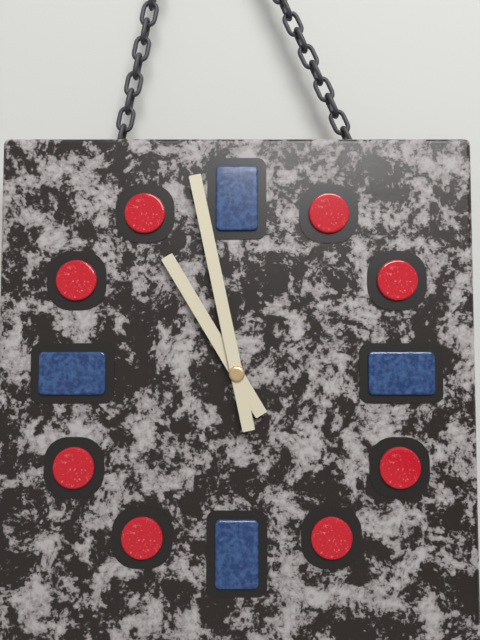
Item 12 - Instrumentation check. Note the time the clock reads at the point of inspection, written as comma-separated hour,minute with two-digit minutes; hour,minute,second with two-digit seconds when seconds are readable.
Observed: 10,58
